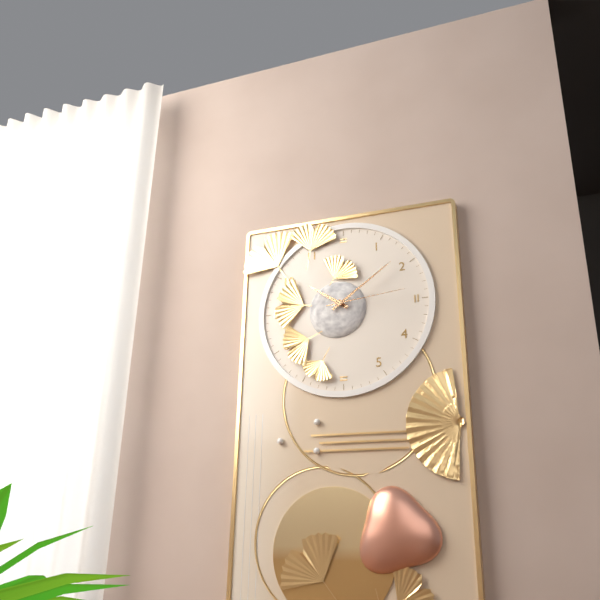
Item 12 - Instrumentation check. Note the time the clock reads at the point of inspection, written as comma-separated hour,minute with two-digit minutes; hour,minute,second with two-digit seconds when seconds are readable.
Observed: 10,09,14
